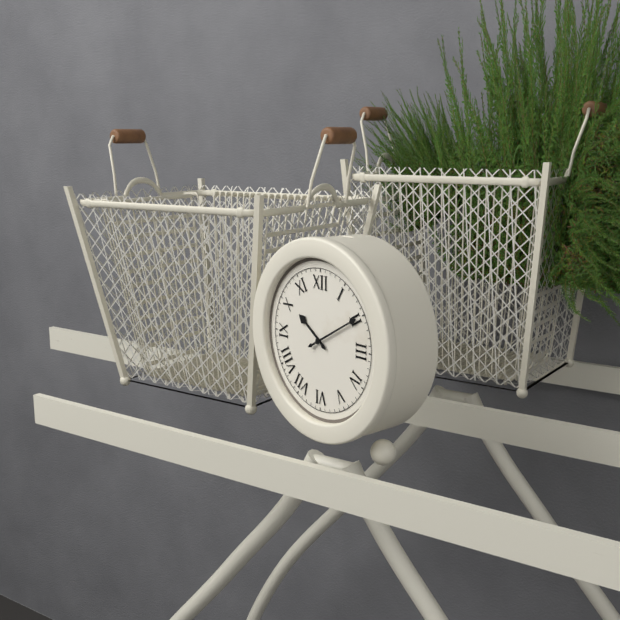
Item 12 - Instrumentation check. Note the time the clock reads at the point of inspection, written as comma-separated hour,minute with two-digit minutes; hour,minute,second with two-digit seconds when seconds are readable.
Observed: 10,10
